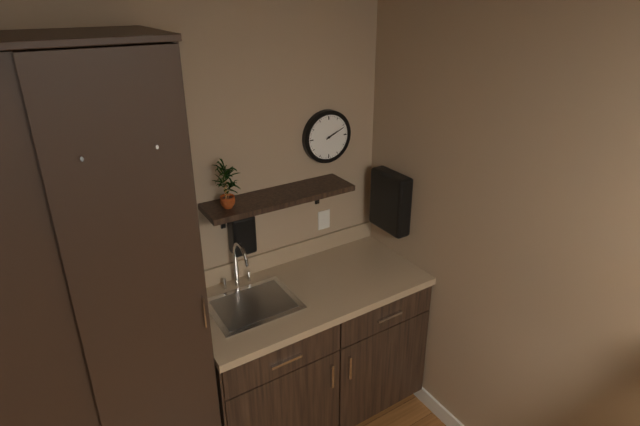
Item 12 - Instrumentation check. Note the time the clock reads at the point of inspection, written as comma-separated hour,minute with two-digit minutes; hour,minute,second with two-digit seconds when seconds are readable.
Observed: 2,11
